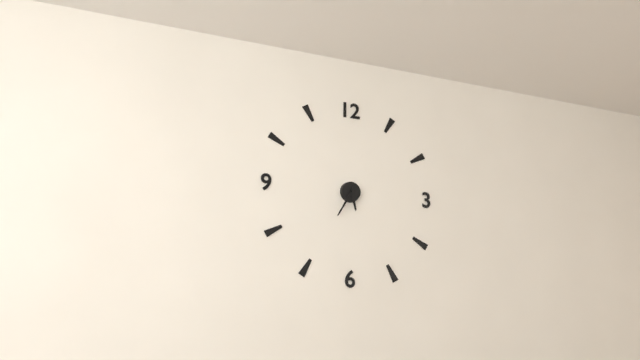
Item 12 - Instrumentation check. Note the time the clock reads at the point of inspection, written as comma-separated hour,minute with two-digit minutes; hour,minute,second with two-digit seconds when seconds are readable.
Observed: 5,35
